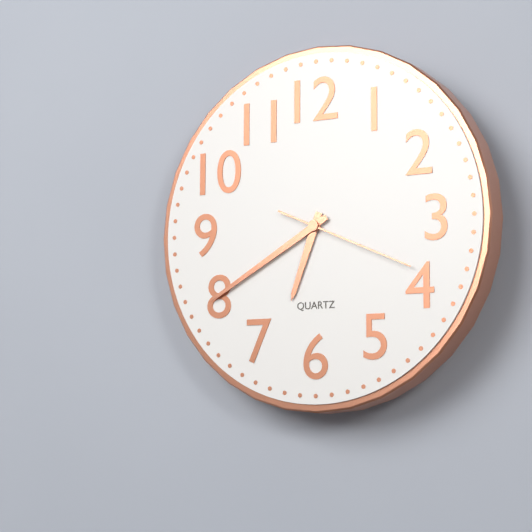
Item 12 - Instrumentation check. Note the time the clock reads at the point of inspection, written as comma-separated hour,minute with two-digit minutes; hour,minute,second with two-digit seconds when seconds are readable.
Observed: 6,40,19
